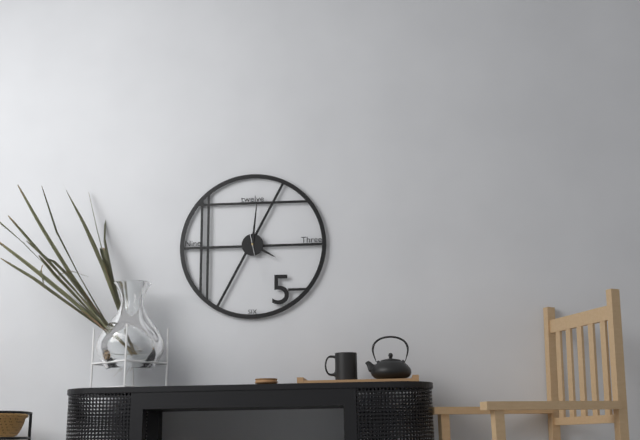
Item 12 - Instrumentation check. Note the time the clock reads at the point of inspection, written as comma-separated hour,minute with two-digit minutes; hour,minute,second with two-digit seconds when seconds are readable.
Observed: 4,01
